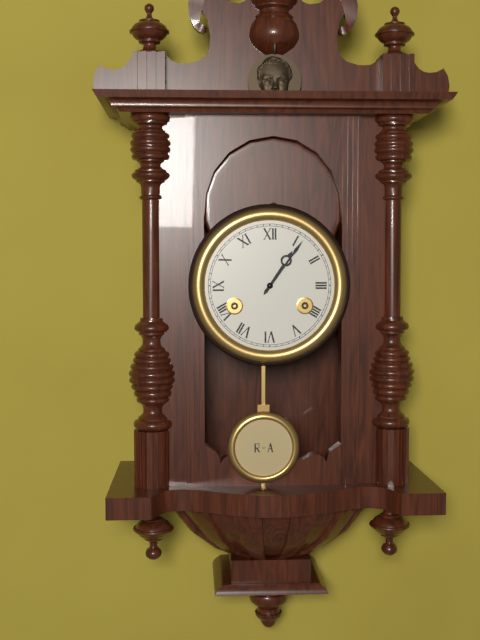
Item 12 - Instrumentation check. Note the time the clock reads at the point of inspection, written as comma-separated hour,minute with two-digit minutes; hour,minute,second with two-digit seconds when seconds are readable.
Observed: 1,06
